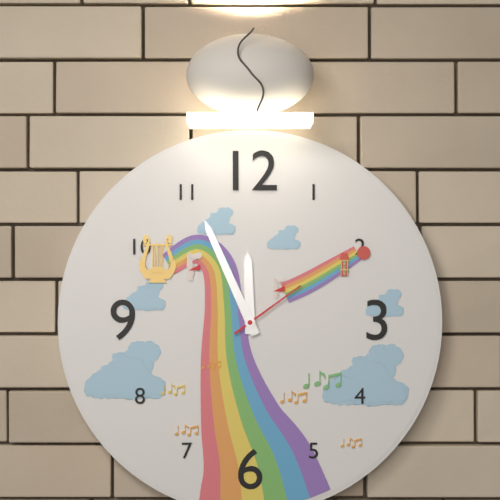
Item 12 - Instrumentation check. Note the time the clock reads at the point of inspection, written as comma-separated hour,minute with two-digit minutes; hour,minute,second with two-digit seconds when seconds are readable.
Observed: 11,56,09
